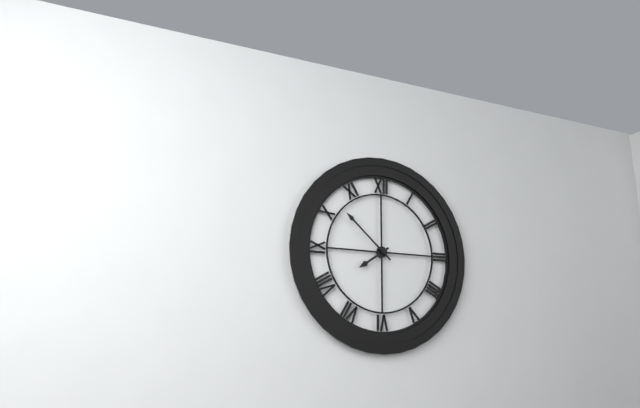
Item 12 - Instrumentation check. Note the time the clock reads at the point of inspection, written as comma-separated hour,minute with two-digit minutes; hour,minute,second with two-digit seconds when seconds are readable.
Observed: 7,52
